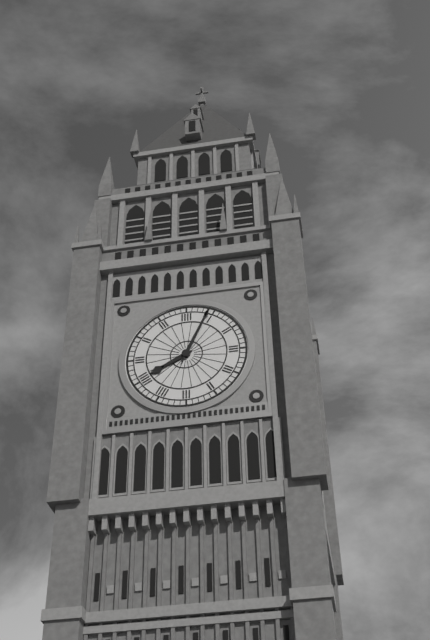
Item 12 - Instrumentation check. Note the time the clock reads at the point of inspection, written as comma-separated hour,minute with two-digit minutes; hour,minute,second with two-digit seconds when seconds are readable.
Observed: 8,04
